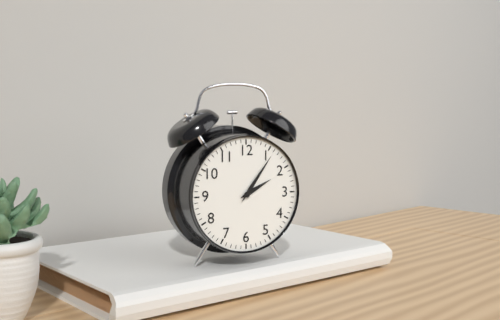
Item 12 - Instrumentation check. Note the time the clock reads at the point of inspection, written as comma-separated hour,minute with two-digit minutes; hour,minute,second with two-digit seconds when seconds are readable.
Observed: 2,06
